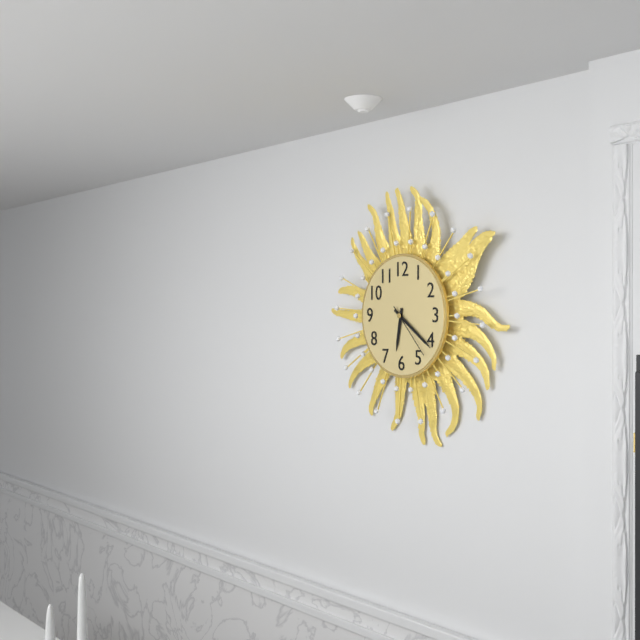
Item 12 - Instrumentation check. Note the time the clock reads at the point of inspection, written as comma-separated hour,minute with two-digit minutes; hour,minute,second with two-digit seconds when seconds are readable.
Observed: 6,21,23
